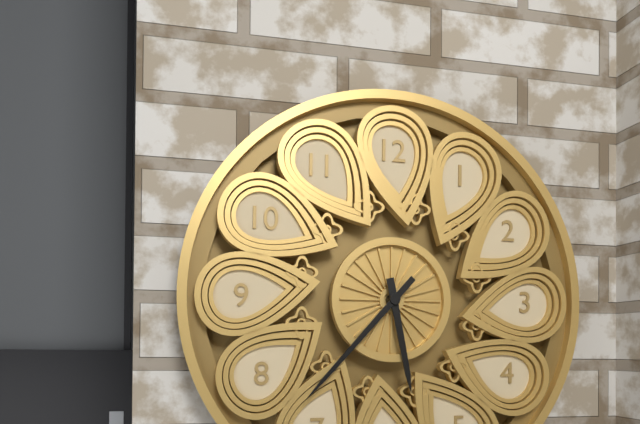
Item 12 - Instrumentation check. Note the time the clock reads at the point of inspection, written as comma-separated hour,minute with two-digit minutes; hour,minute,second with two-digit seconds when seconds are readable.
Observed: 5,37
